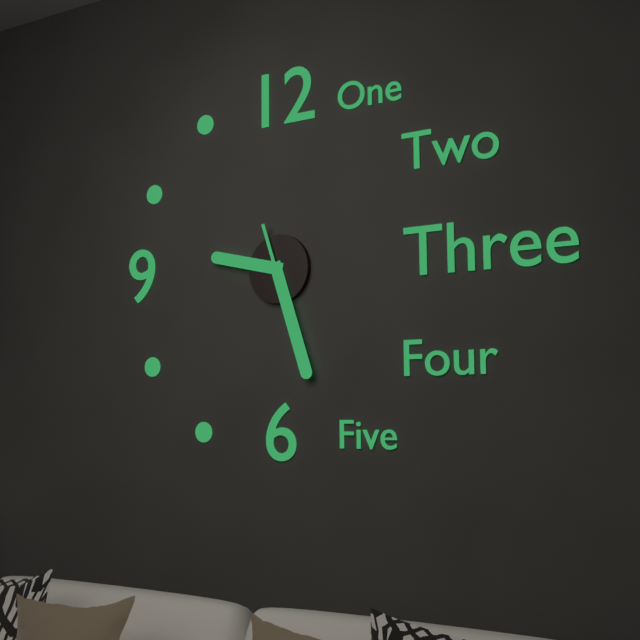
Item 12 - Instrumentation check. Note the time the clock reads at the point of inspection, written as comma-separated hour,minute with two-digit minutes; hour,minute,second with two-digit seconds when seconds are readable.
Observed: 9,27,27
